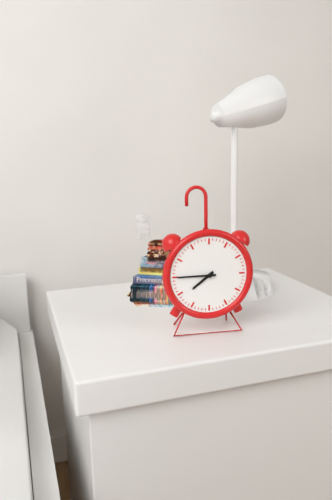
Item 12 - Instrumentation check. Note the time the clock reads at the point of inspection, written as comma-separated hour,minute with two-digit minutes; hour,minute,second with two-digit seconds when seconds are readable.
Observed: 7,45
